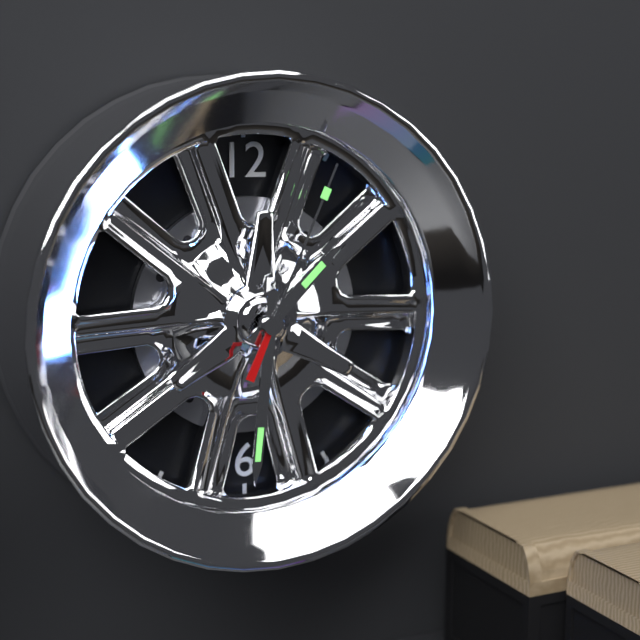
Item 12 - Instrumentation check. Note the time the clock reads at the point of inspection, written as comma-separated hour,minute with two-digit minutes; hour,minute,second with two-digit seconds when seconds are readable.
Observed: 1,31,04
